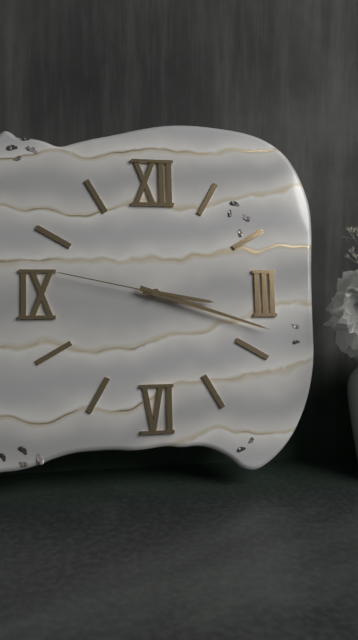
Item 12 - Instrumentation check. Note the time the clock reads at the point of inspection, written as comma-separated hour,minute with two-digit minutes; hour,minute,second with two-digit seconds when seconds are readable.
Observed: 3,18,47
